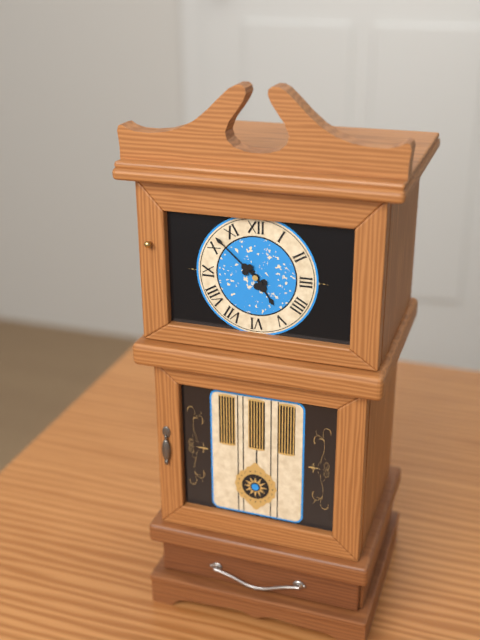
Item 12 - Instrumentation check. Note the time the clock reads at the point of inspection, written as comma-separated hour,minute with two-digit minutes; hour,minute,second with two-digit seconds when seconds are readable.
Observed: 4,52
